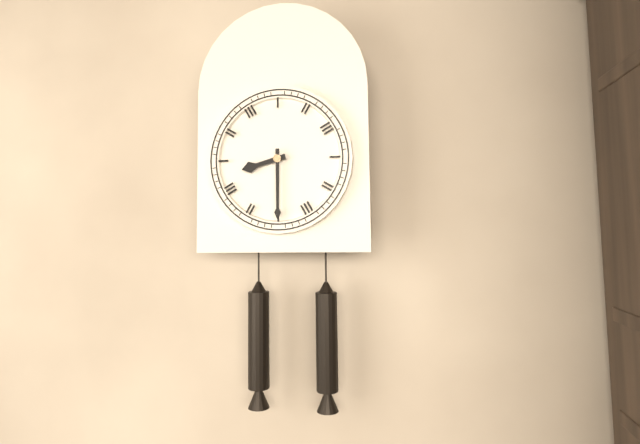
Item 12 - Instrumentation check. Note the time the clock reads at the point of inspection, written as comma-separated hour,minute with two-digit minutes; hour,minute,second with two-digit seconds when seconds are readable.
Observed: 8,30
